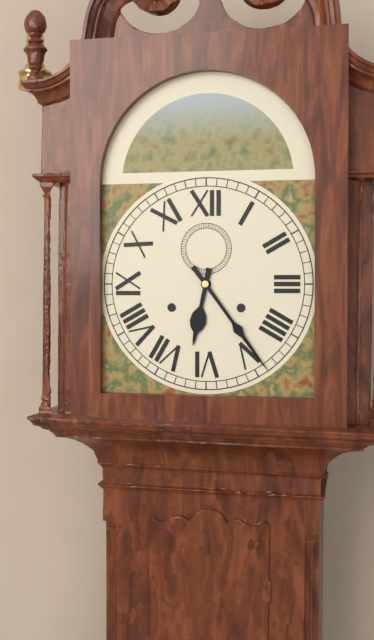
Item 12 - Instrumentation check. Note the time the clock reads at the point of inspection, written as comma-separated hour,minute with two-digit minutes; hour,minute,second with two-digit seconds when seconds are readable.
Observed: 6,24
